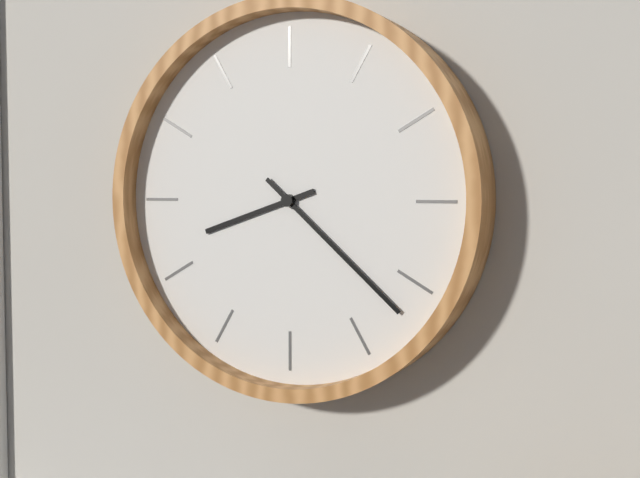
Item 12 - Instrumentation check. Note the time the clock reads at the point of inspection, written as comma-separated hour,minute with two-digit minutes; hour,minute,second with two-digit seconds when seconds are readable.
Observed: 8,22
